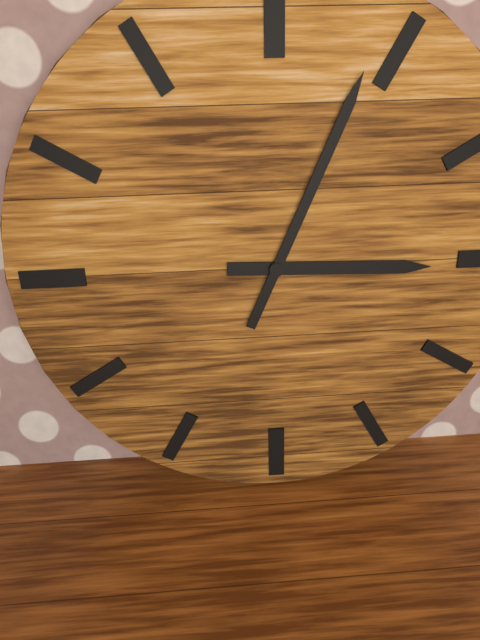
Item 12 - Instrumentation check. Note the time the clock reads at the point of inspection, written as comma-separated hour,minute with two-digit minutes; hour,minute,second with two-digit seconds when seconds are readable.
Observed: 3,04
